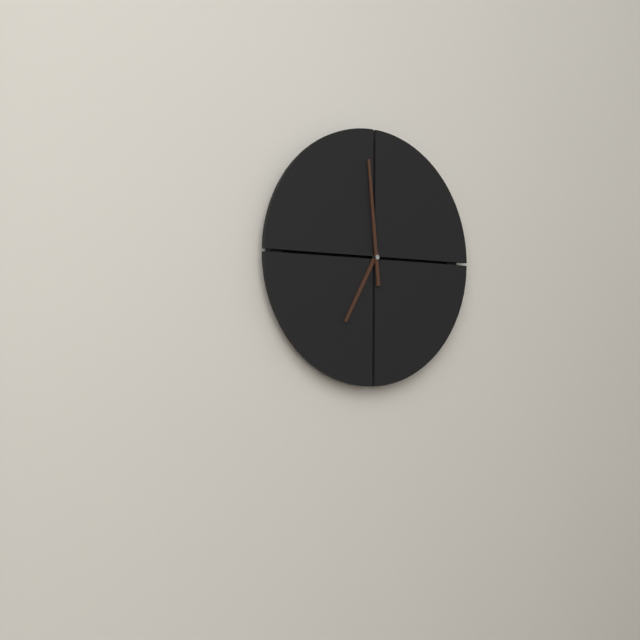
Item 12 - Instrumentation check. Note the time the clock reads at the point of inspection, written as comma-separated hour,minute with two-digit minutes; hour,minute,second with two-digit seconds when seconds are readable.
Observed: 6,59
